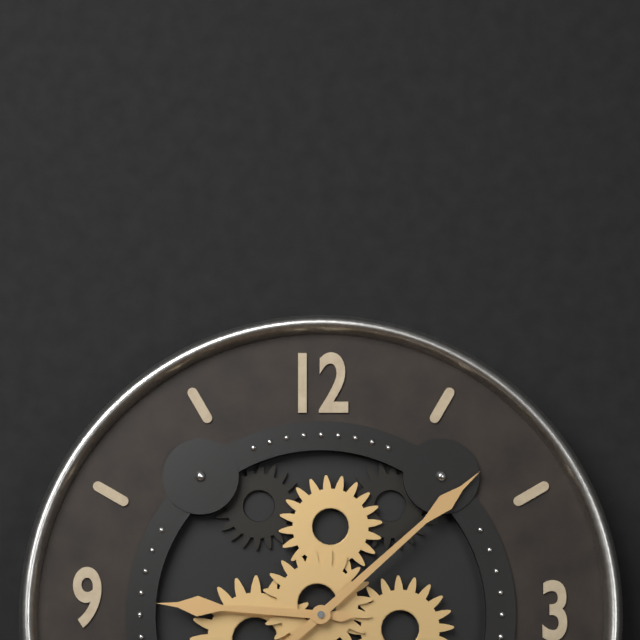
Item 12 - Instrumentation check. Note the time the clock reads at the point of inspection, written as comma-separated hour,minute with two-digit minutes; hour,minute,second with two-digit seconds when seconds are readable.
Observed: 9,08
